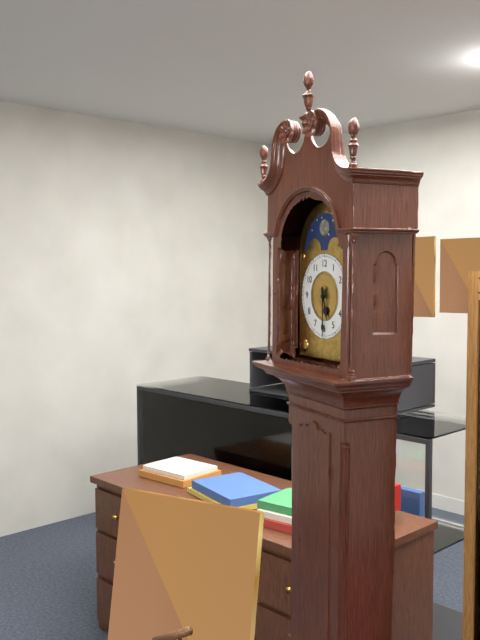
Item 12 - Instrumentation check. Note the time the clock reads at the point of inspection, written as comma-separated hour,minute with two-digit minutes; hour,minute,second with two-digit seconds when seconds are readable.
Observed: 5,30
